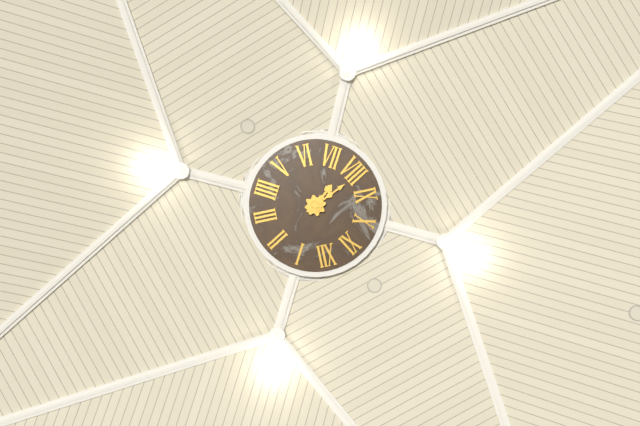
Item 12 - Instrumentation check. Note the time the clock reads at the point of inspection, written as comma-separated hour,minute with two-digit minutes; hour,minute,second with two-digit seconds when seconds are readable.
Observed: 7,41
